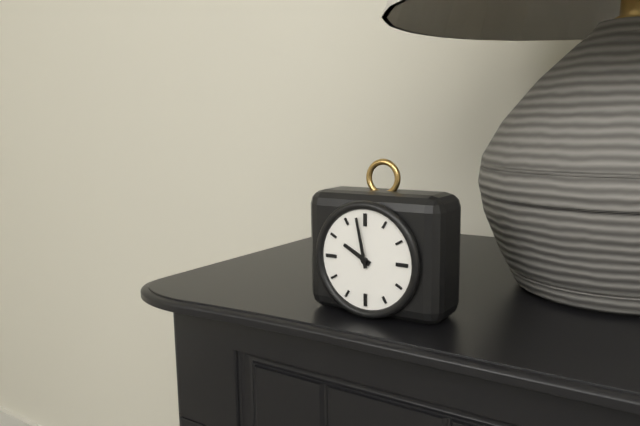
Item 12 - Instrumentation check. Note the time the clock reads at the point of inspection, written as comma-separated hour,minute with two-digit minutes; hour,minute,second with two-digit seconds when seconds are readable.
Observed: 9,58
